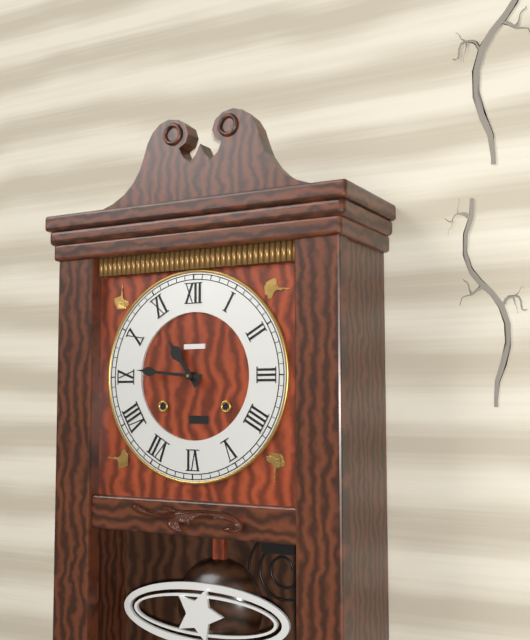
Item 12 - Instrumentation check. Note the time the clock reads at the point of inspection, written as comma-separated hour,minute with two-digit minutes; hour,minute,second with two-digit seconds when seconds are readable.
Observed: 10,46
